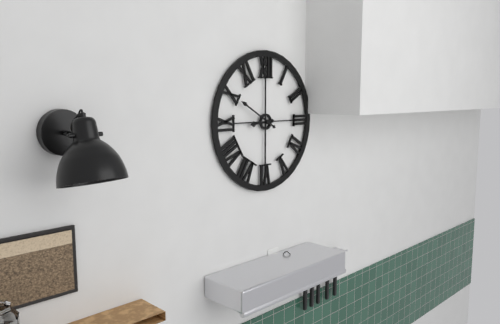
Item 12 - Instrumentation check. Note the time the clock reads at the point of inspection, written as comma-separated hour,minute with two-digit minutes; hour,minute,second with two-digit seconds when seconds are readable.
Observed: 8,50
